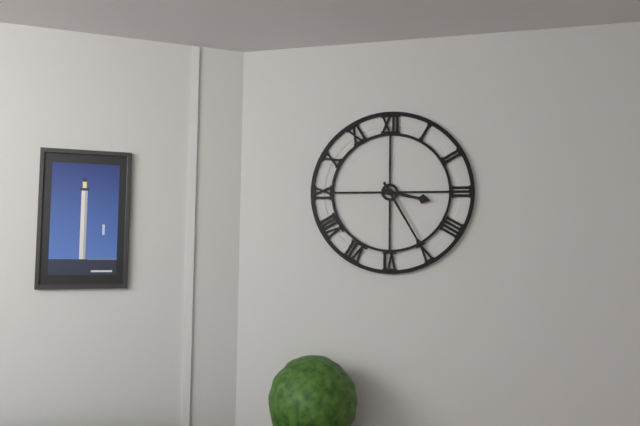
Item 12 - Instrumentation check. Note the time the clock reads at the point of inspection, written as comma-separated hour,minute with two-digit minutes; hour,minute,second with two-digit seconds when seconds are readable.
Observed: 3,25
